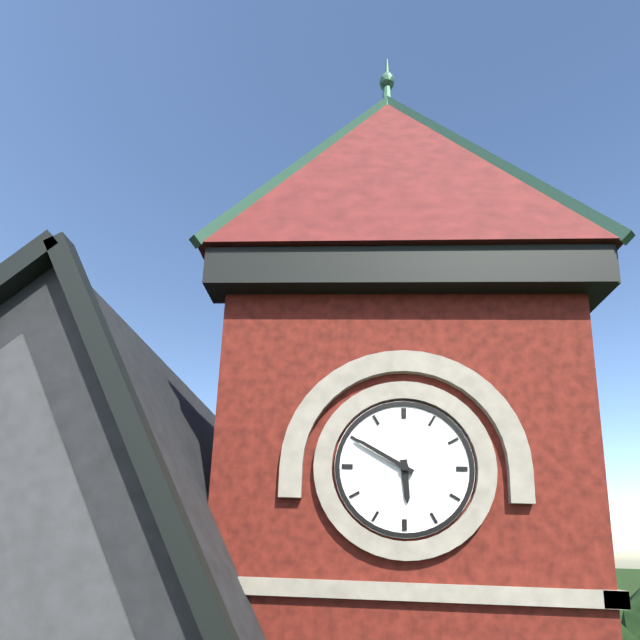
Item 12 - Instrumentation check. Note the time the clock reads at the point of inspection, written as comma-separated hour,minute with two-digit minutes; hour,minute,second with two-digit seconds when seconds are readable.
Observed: 5,50
